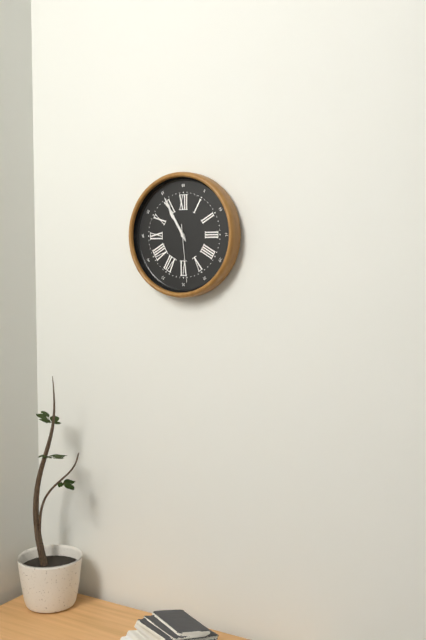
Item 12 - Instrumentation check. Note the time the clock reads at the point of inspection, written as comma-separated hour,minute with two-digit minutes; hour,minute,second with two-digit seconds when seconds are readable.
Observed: 10,55,29
